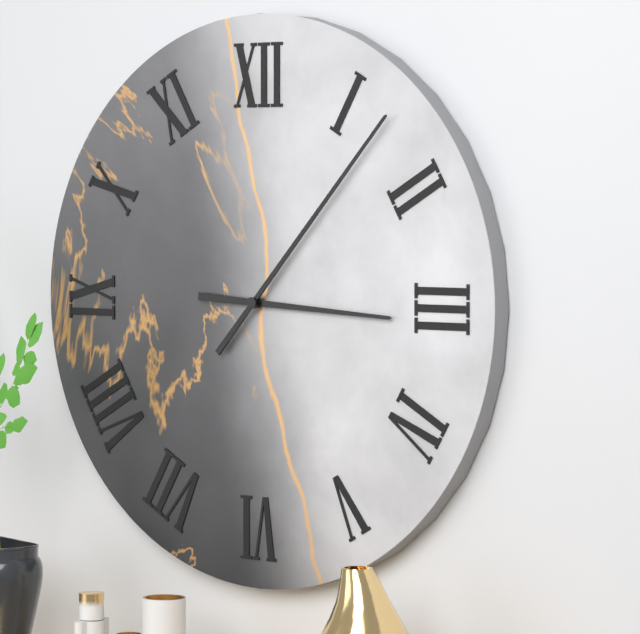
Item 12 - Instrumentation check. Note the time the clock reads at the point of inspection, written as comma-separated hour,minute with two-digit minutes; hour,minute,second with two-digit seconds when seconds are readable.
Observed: 3,07
